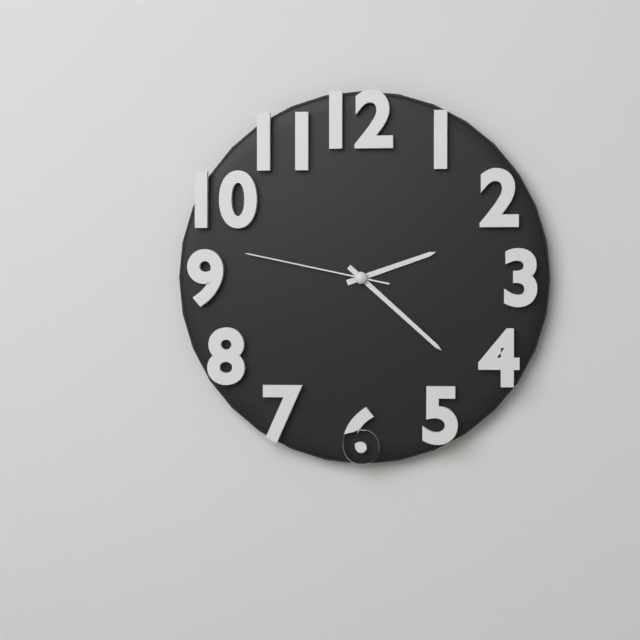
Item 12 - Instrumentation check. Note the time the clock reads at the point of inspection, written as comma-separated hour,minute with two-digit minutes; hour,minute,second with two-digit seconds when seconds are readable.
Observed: 2,22,47
